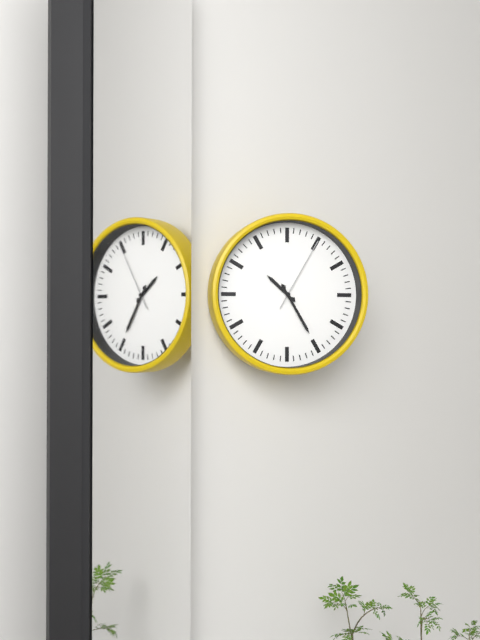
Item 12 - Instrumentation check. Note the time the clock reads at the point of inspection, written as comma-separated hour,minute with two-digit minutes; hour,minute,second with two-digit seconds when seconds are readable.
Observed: 10,25,05
